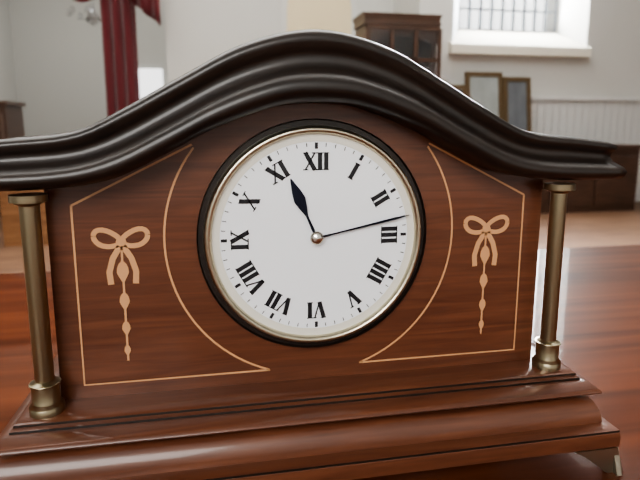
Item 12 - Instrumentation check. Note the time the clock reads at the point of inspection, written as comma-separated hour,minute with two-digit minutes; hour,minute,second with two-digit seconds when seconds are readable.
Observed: 11,13
